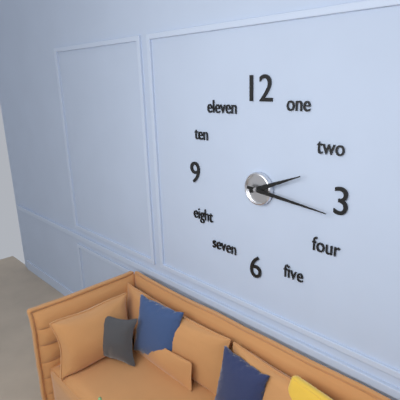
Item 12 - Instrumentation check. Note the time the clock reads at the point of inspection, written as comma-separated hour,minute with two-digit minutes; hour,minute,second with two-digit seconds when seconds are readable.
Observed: 2,16
